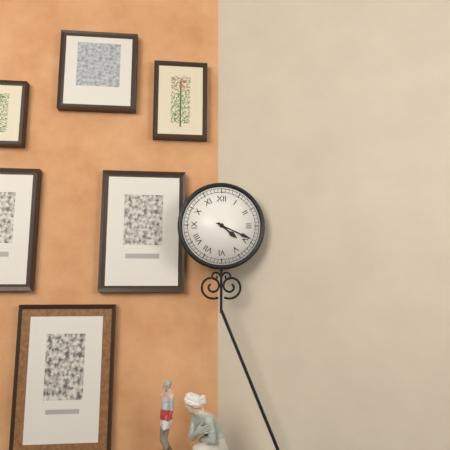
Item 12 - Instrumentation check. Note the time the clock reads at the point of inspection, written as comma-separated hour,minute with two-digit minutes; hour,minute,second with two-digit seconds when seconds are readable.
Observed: 4,19
